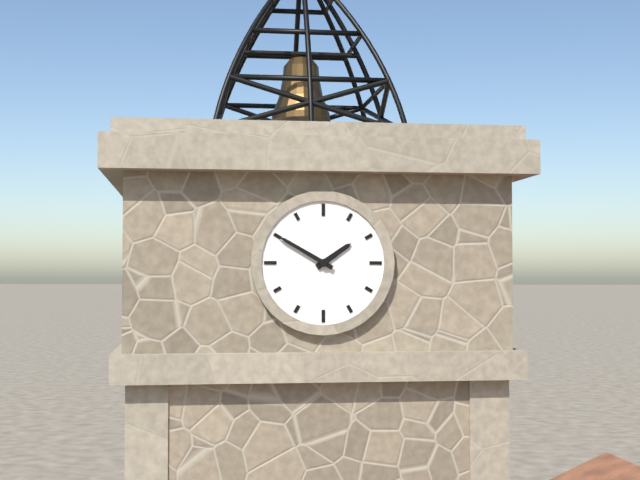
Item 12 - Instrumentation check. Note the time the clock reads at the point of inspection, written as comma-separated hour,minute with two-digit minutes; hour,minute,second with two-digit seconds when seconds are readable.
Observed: 1,50
